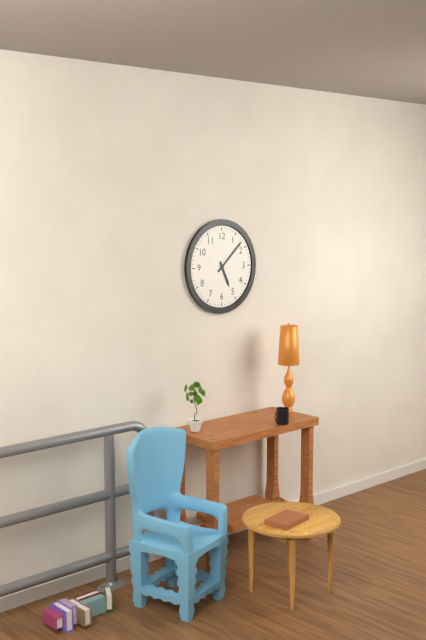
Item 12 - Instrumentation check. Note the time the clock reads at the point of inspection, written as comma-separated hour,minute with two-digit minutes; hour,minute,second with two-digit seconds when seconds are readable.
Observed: 5,08
